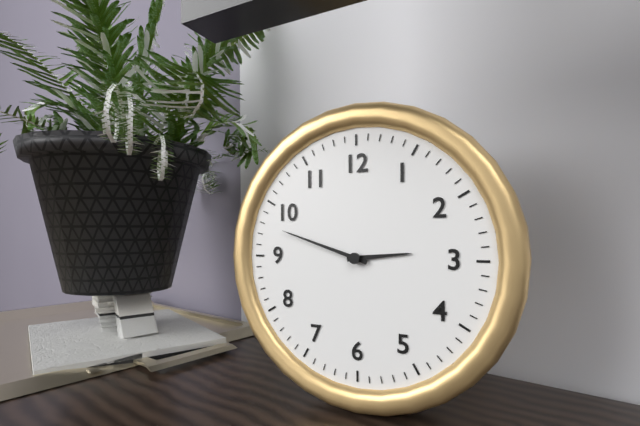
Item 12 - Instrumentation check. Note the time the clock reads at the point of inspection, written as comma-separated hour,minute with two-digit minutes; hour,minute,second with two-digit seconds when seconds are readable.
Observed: 2,48
